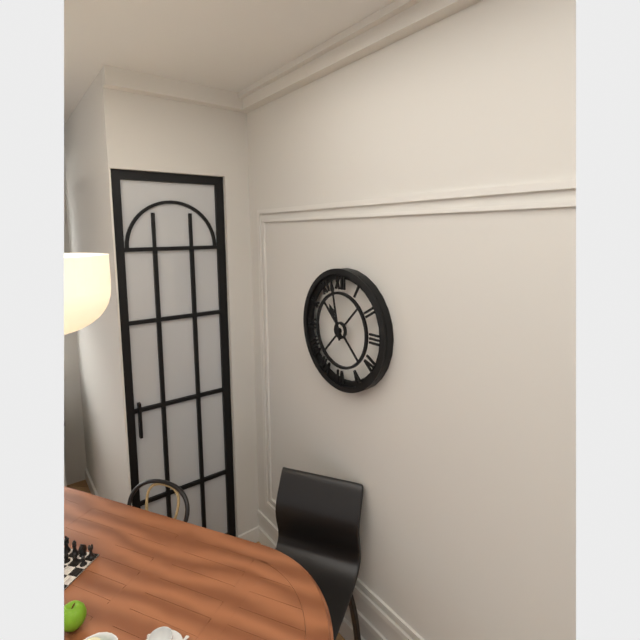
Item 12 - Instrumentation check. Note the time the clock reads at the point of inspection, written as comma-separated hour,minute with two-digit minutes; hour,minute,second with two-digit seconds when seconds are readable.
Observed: 10,58
